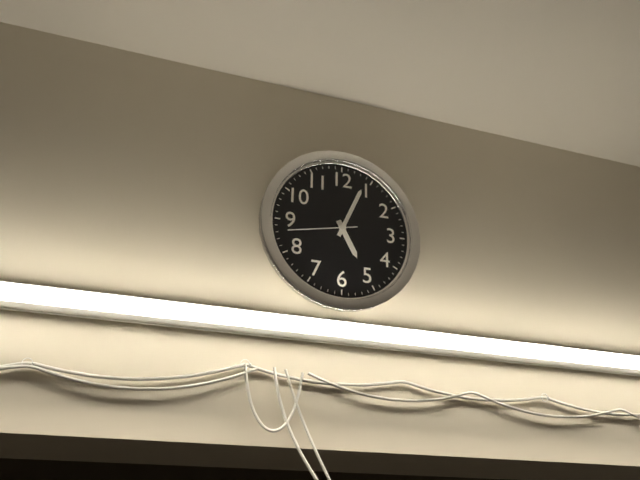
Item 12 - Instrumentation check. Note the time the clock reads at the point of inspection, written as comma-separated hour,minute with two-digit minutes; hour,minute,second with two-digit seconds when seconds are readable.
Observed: 5,04,43
